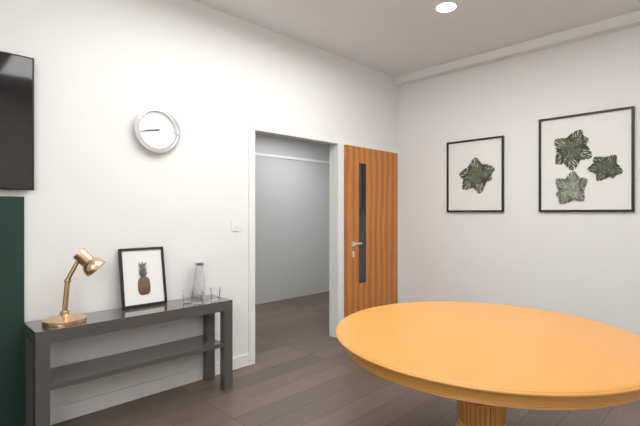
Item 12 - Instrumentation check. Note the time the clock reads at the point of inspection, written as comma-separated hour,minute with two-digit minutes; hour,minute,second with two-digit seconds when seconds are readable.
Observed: 8,43
